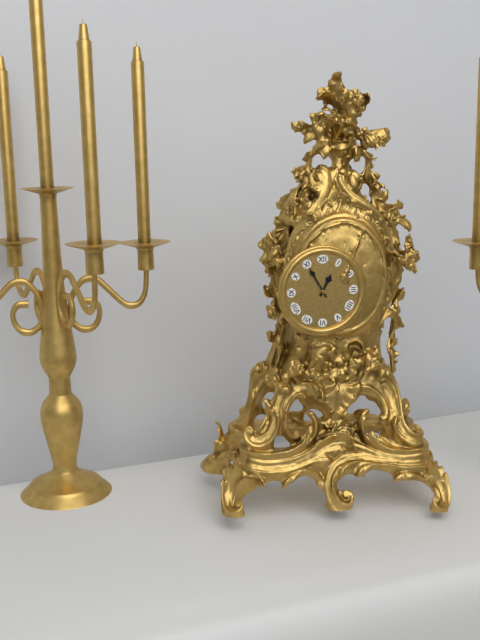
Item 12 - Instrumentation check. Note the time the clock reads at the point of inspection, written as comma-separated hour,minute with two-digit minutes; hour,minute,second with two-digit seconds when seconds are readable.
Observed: 12,55
